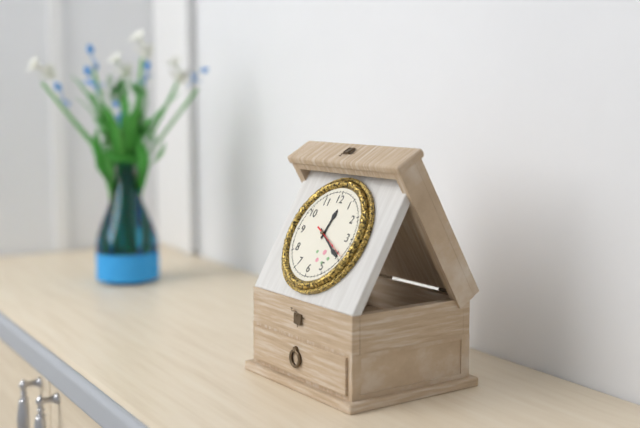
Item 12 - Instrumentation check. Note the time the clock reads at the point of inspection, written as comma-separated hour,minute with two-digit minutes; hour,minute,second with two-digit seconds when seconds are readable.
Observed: 12,20
